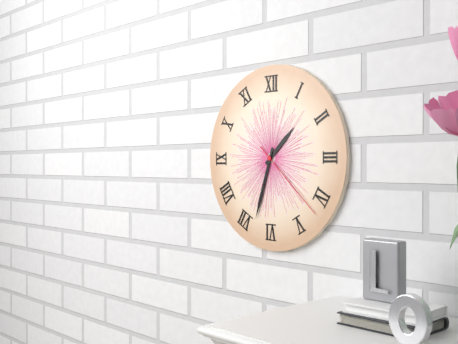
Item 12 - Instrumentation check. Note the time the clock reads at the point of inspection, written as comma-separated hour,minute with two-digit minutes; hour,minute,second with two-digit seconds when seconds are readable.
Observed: 1,33,22
